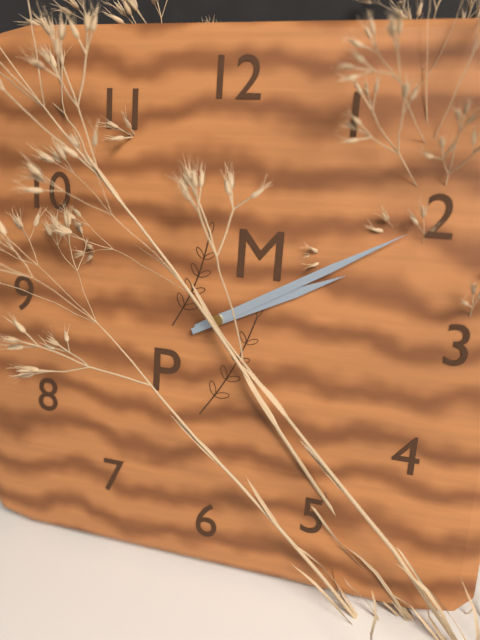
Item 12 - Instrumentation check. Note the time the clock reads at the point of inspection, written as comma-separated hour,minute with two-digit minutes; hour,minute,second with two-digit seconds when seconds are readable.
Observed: 2,10
